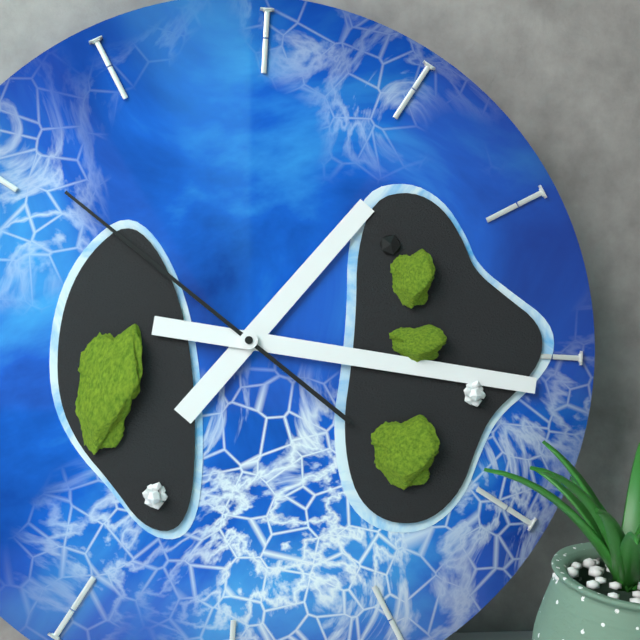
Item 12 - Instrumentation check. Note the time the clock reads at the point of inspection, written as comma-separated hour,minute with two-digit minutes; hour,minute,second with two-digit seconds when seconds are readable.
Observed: 1,16,51
